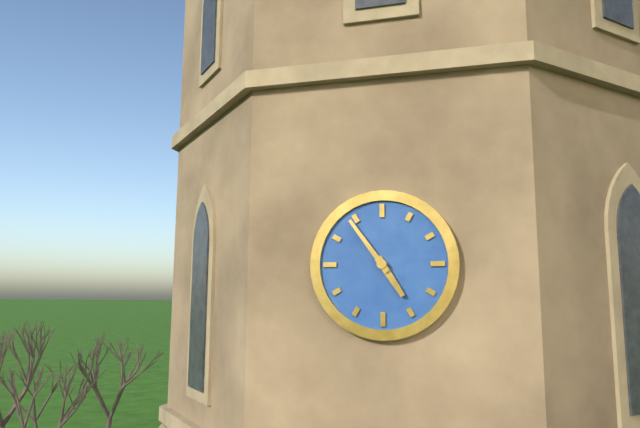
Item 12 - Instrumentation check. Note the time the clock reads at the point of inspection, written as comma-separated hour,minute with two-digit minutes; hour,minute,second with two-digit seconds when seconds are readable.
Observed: 4,54
